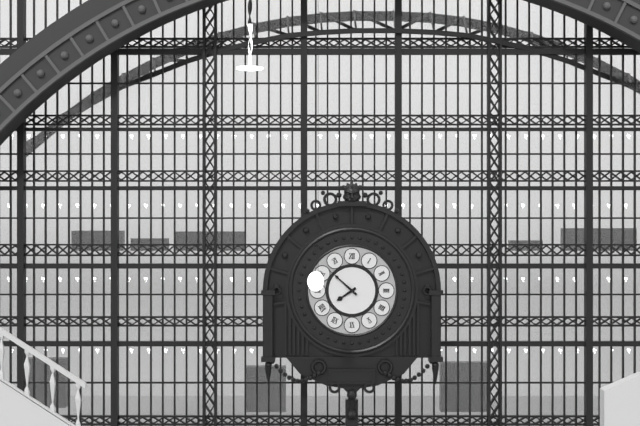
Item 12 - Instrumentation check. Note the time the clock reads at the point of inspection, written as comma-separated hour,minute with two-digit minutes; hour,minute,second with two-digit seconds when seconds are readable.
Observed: 7,52
